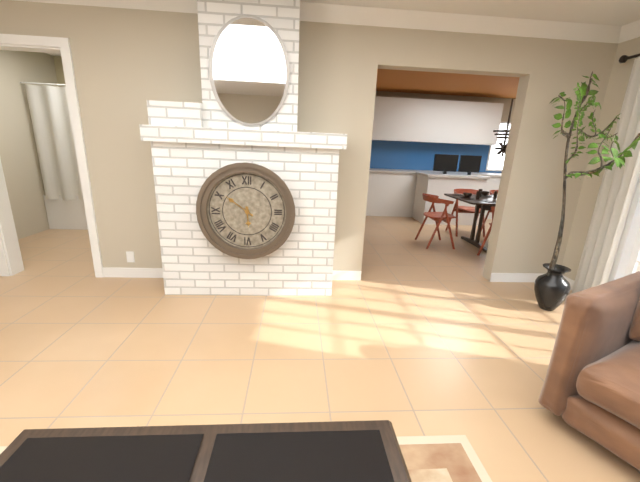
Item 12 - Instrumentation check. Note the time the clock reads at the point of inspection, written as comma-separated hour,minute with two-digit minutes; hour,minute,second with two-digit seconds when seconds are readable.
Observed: 5,51
